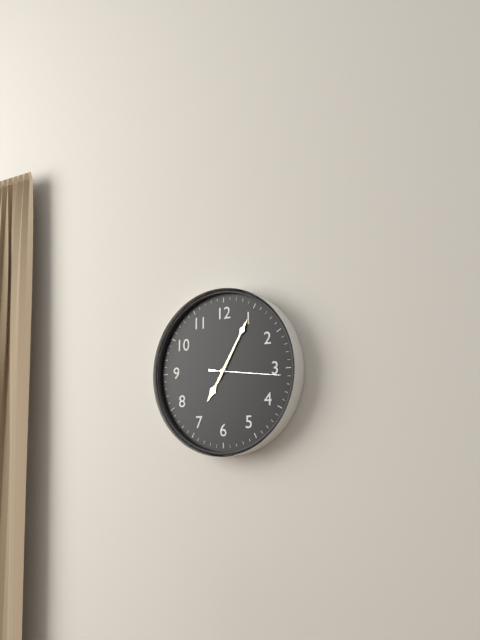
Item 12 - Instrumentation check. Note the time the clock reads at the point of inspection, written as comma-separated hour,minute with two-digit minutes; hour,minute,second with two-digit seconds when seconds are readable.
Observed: 7,05,16
